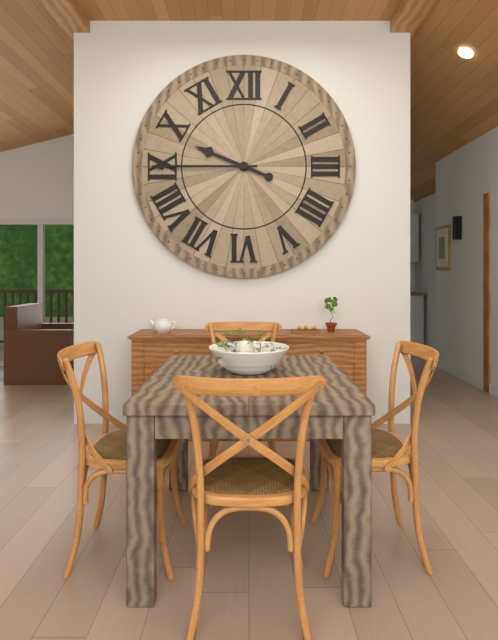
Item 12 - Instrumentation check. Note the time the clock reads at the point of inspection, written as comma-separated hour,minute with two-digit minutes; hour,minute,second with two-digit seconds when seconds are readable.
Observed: 9,45
